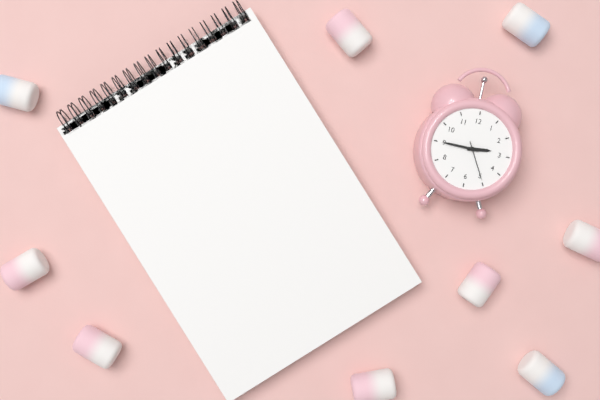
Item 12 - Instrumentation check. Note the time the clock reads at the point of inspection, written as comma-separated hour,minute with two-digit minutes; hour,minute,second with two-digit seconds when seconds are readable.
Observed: 2,45
